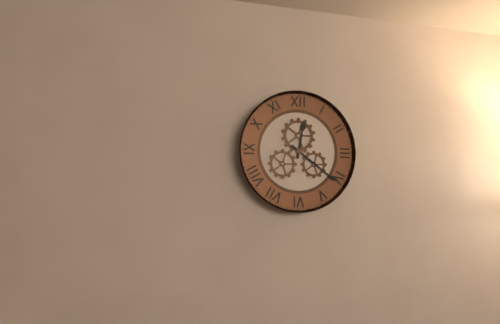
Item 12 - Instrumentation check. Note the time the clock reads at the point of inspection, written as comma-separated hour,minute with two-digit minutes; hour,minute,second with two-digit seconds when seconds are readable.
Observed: 12,21
